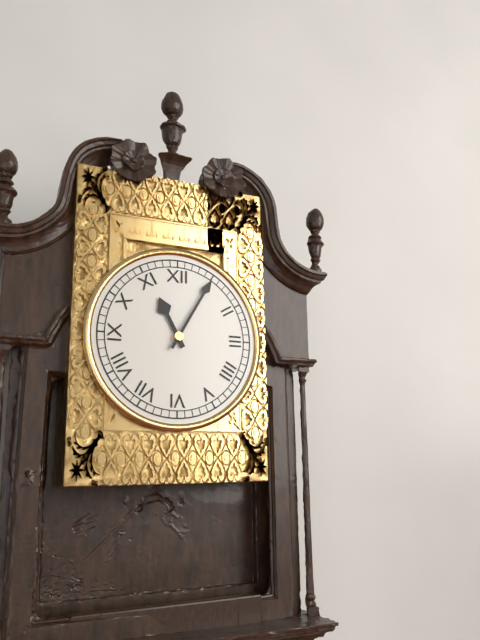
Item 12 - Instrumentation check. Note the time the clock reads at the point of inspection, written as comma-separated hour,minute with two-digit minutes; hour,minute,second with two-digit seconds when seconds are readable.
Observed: 11,05
